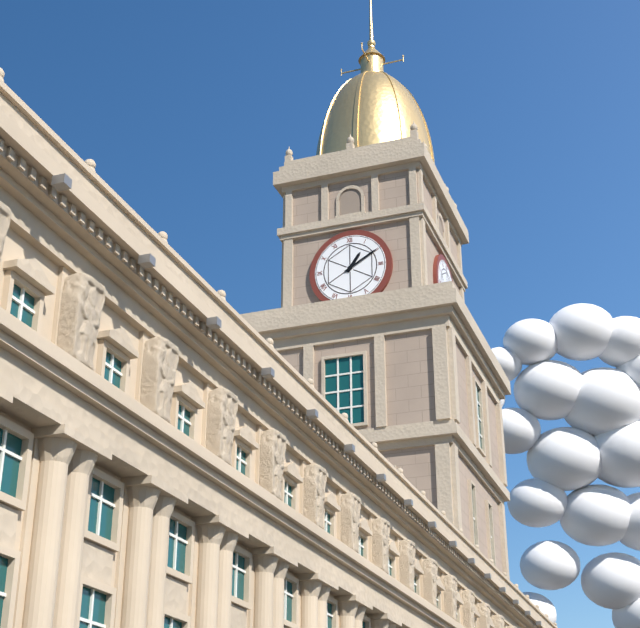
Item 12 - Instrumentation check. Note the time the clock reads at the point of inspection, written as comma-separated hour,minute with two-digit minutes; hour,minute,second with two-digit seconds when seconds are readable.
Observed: 1,10
